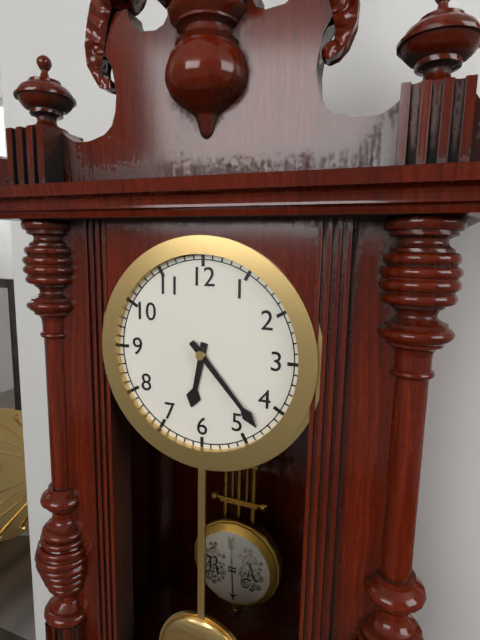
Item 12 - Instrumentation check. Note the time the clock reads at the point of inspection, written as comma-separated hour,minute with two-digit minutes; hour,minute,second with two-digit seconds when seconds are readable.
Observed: 6,23
